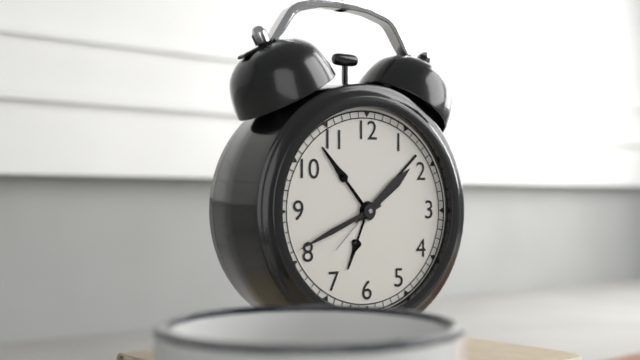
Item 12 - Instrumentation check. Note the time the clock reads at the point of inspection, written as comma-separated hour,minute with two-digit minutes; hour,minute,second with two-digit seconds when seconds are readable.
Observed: 1,41
